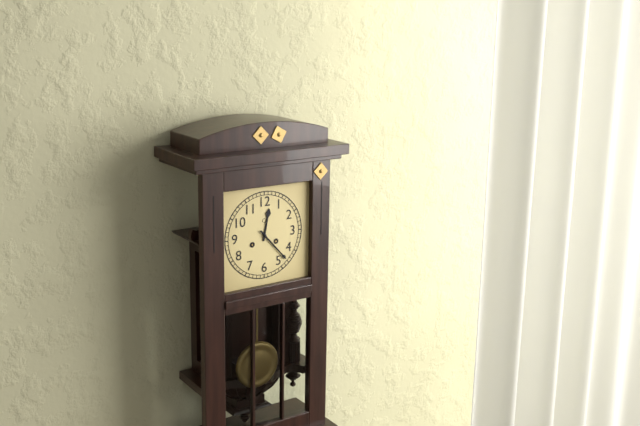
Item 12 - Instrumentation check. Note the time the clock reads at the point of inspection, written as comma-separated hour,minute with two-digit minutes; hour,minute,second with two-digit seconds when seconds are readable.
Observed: 12,23
